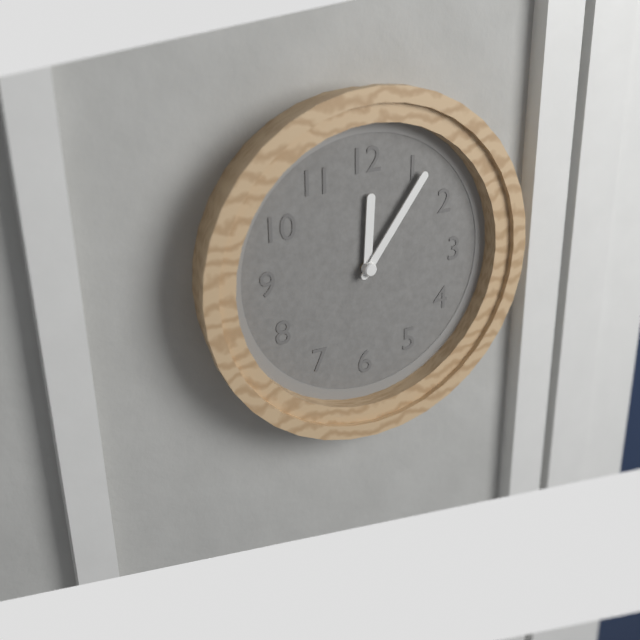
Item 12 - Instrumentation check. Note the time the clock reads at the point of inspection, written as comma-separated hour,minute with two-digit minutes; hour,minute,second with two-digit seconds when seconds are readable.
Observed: 12,06
